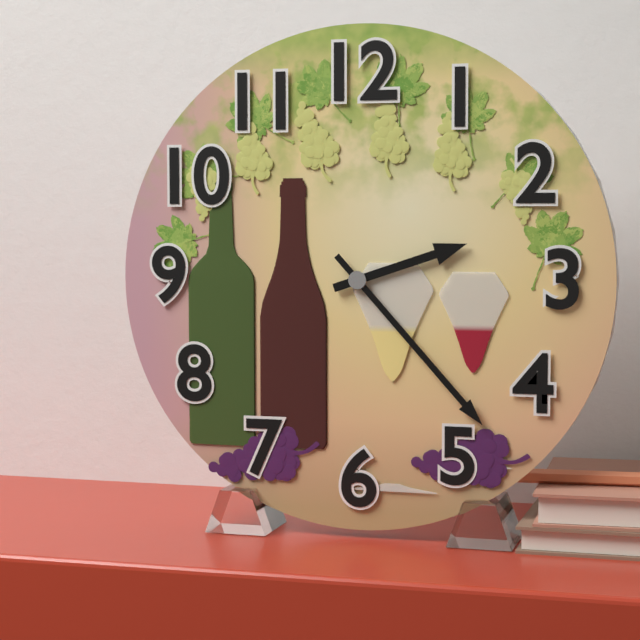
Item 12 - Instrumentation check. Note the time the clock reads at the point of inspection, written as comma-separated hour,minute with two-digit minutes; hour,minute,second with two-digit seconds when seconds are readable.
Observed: 2,23
